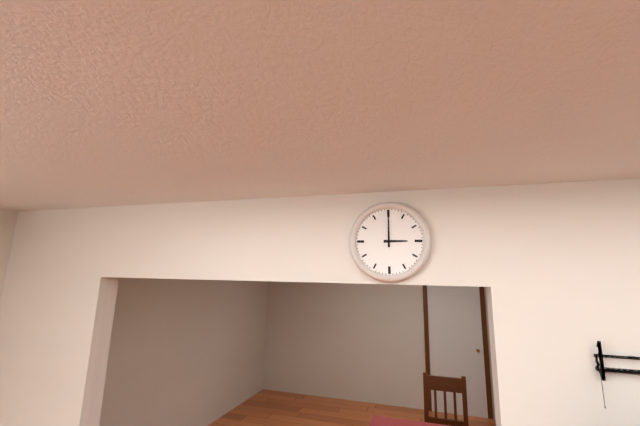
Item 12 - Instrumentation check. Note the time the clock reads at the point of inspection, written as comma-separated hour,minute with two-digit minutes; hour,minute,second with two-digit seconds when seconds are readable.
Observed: 3,00
